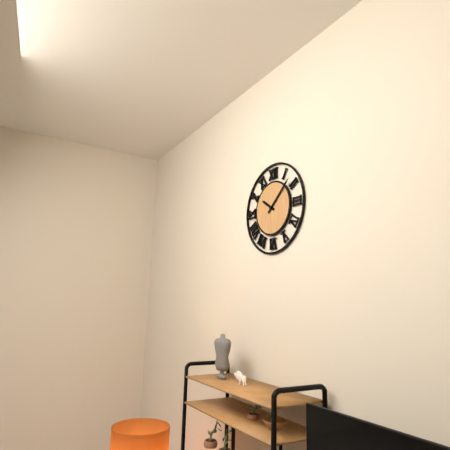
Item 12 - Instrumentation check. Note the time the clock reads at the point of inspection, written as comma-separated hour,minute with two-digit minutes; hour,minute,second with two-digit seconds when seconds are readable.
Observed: 10,08
